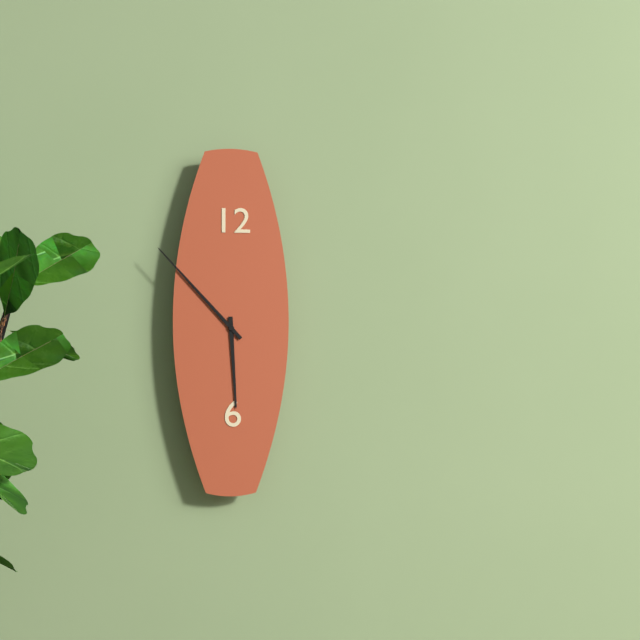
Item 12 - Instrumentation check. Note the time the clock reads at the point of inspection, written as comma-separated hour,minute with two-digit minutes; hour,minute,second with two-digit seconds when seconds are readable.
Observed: 5,53
